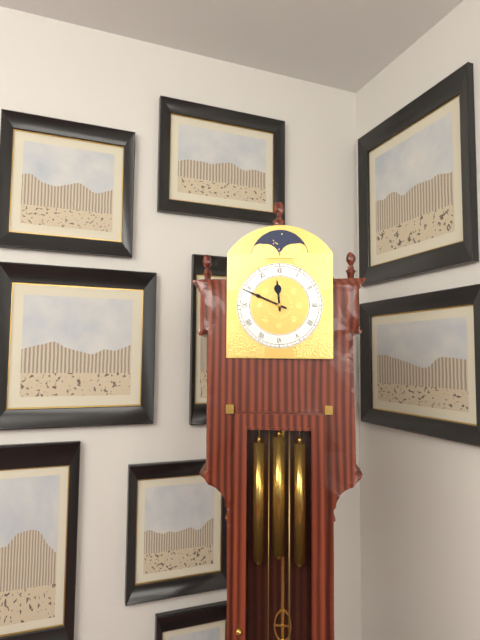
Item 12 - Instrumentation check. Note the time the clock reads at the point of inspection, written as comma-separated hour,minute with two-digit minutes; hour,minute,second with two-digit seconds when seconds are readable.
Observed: 11,49
